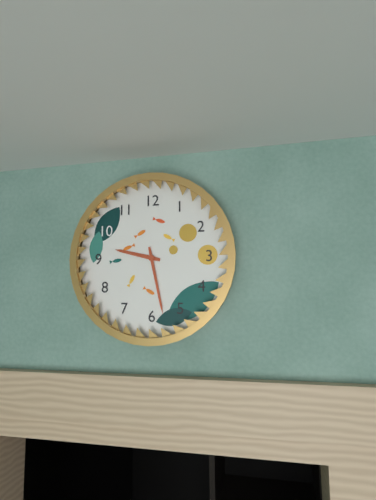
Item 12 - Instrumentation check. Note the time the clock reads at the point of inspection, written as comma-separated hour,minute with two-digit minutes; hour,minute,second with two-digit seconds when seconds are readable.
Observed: 9,28
